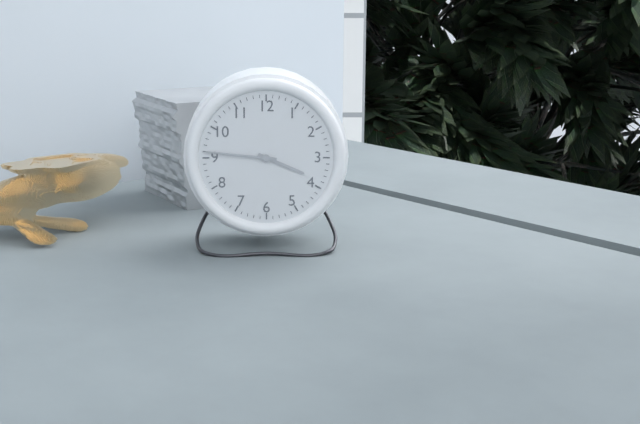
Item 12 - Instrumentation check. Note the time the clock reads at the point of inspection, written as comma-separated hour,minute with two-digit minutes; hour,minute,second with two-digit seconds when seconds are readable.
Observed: 3,46
